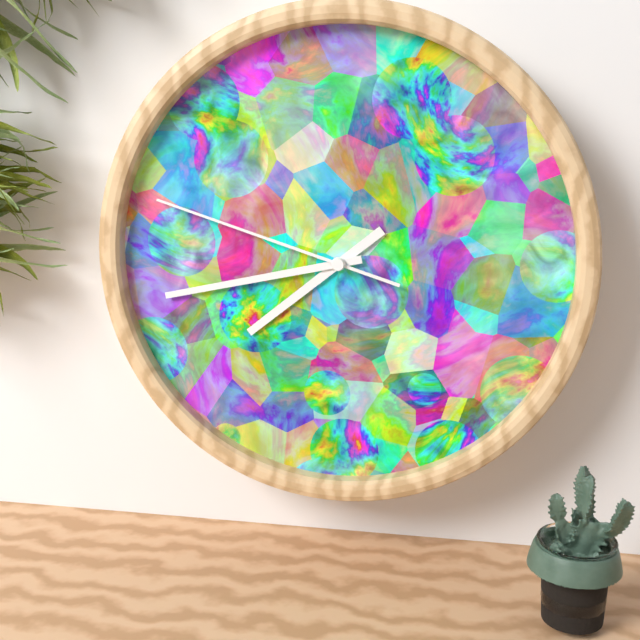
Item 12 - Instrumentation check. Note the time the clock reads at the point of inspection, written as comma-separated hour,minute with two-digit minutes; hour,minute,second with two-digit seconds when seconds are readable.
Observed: 7,43,48
